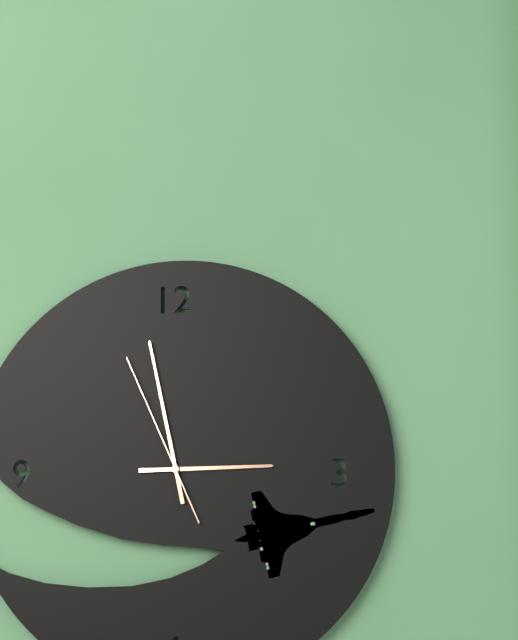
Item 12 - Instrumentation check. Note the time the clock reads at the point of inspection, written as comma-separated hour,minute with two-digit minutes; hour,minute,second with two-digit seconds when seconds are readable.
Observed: 2,58,56
